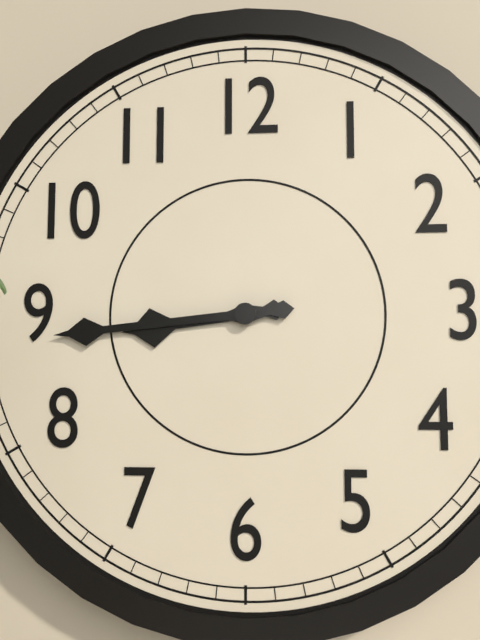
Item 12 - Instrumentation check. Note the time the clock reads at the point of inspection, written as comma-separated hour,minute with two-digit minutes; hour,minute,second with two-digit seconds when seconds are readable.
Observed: 8,44
